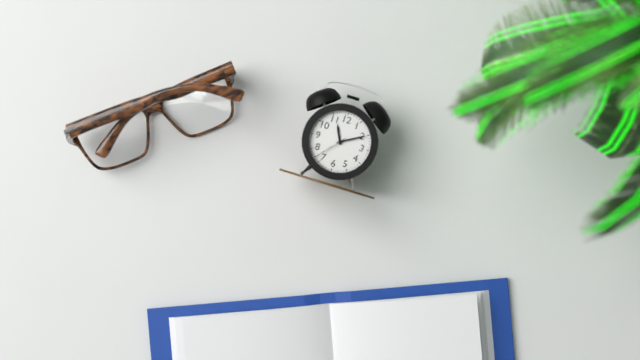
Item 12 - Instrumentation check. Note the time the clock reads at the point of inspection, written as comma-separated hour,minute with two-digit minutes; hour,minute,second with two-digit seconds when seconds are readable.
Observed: 11,10
